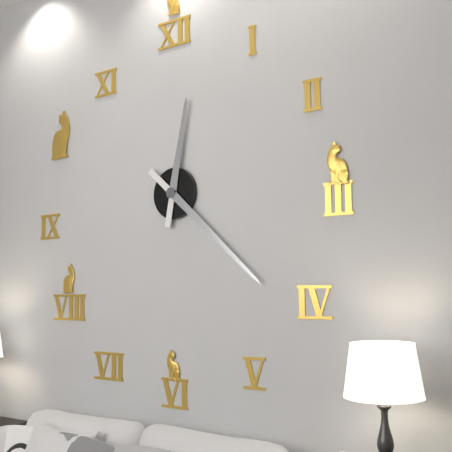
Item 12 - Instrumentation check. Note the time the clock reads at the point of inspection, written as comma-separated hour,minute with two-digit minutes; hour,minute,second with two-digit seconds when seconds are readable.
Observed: 12,22
